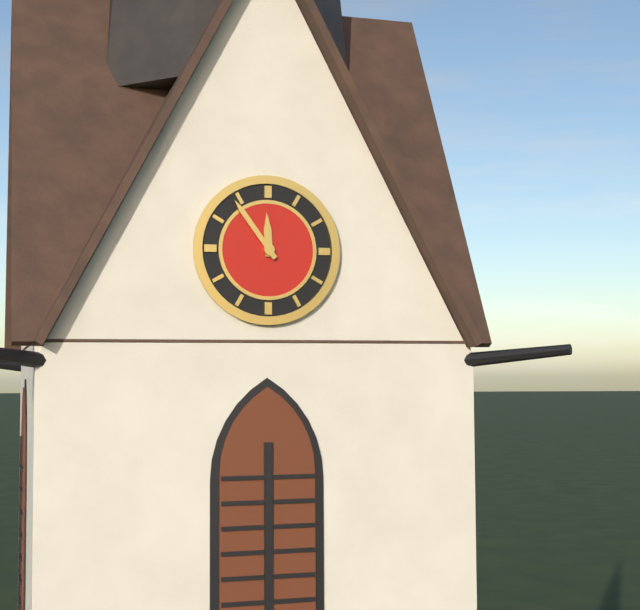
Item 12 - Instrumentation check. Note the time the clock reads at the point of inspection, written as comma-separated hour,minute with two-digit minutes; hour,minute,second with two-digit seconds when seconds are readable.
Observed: 11,54
